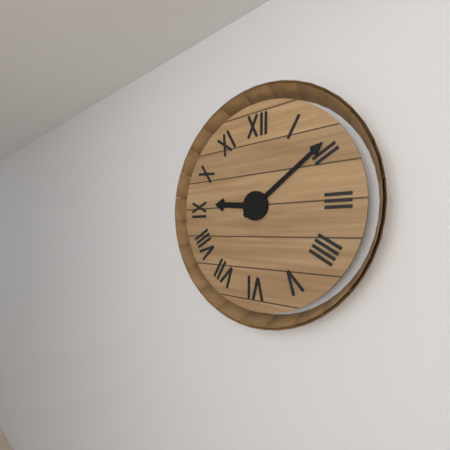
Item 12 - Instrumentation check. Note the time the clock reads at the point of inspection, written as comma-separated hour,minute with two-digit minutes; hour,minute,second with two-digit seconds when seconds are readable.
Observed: 9,09
